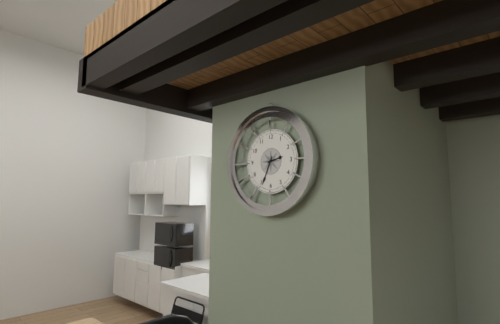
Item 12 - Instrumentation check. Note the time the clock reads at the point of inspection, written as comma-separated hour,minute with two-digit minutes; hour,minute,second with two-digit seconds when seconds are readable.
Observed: 2,34
